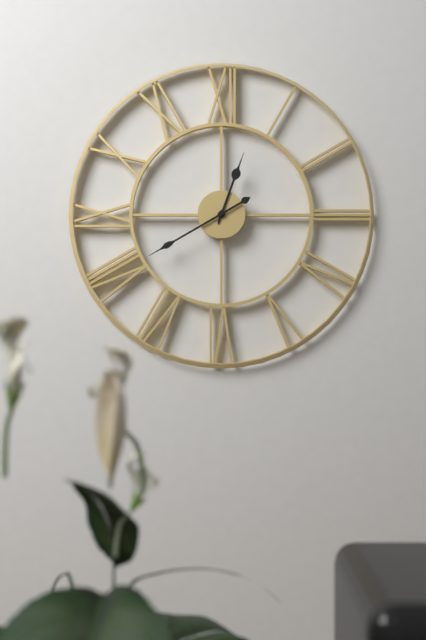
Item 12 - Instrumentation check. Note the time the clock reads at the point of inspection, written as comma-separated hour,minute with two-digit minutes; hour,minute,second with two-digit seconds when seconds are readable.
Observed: 12,40
